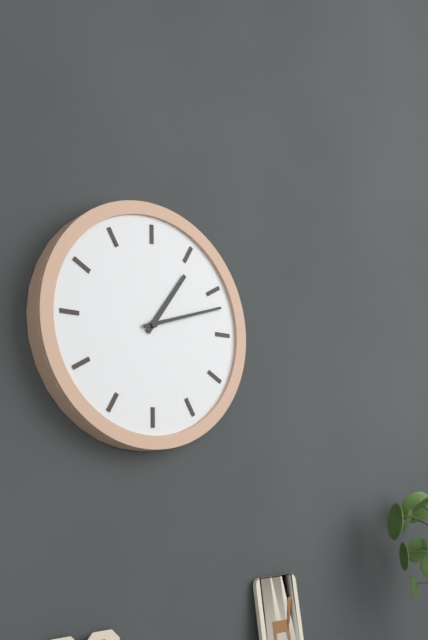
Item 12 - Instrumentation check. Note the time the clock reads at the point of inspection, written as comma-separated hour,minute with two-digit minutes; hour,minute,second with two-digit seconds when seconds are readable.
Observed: 1,12
